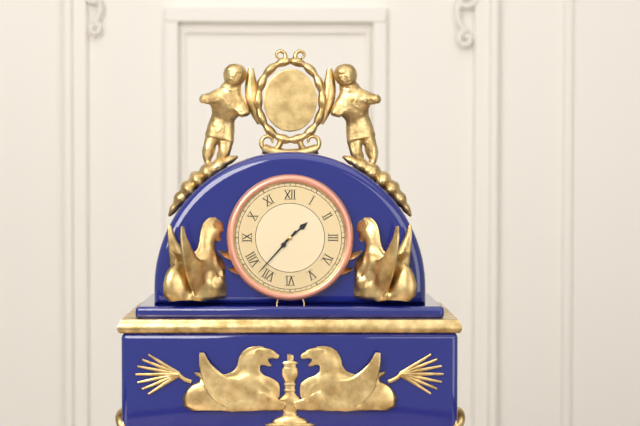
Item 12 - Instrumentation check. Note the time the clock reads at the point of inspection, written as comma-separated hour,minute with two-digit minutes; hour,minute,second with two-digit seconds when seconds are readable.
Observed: 1,37
